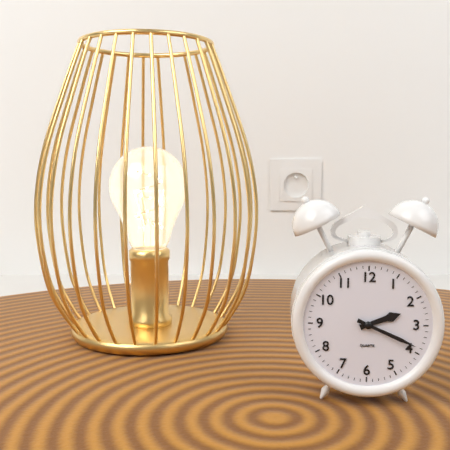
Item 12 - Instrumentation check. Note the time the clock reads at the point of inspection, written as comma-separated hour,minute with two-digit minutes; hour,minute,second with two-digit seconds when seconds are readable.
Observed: 2,19
